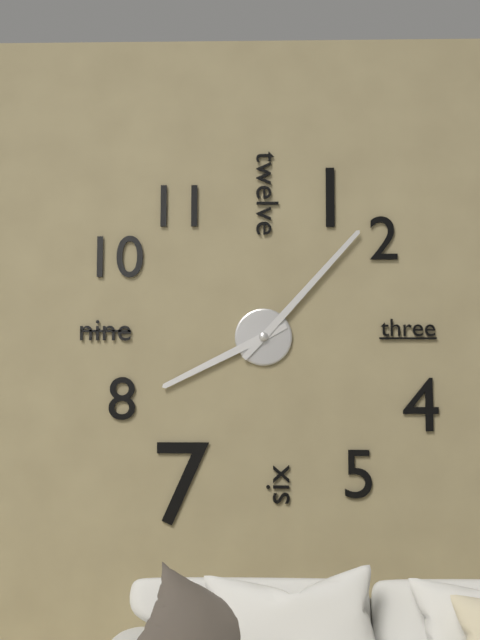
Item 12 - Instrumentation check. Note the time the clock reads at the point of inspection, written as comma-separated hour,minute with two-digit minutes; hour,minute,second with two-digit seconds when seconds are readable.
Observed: 8,07
